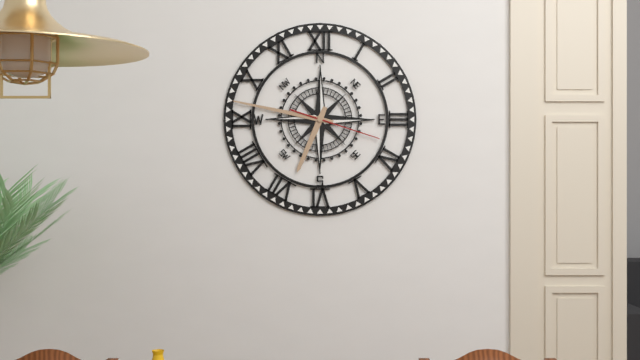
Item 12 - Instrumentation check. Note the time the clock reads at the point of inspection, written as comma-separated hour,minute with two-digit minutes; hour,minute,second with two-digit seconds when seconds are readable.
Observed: 6,47,18
